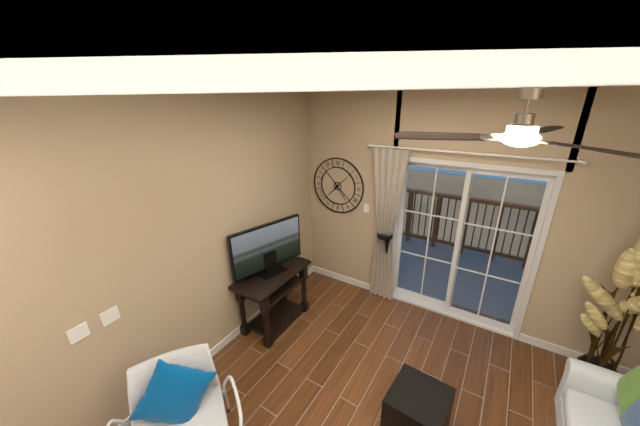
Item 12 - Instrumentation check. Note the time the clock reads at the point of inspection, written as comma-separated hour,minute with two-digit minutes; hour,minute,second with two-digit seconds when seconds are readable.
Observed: 7,24
